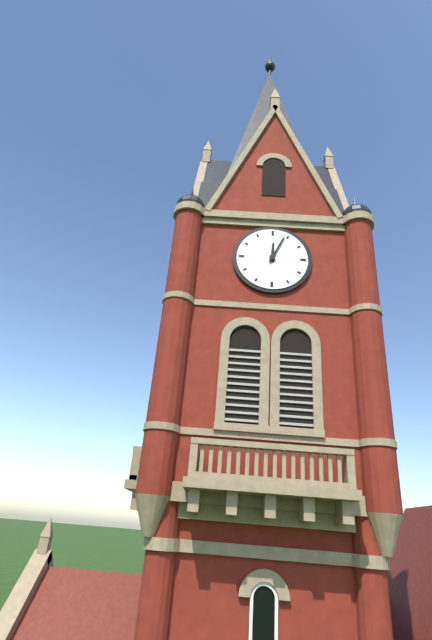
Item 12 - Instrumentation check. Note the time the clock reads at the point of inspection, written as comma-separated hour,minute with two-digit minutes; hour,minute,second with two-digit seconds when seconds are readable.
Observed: 12,04
